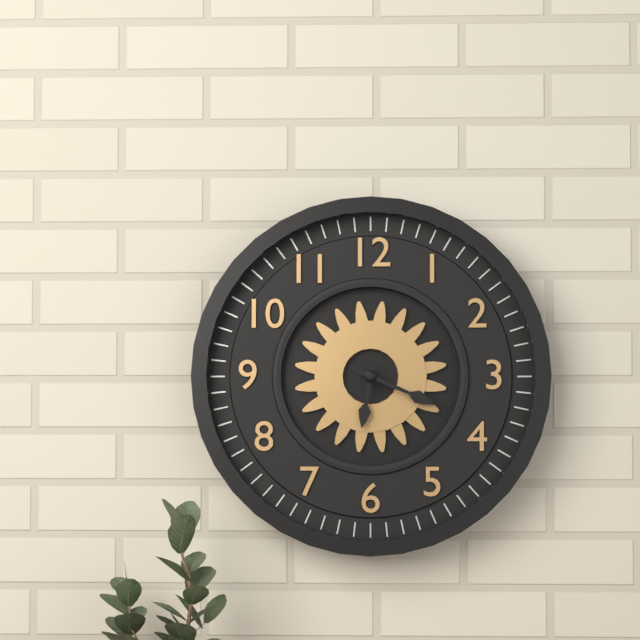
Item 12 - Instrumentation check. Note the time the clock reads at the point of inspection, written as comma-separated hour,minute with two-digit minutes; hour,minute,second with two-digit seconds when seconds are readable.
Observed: 6,19
